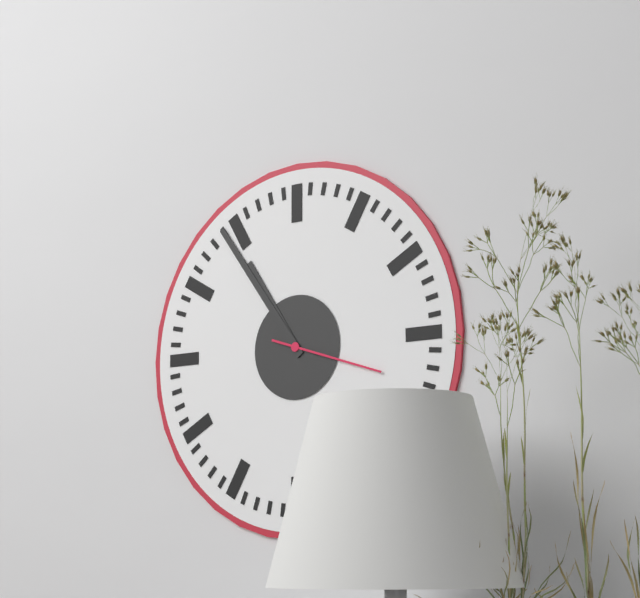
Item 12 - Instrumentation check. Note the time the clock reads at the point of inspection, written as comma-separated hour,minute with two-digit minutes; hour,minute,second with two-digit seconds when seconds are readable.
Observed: 10,54,18
